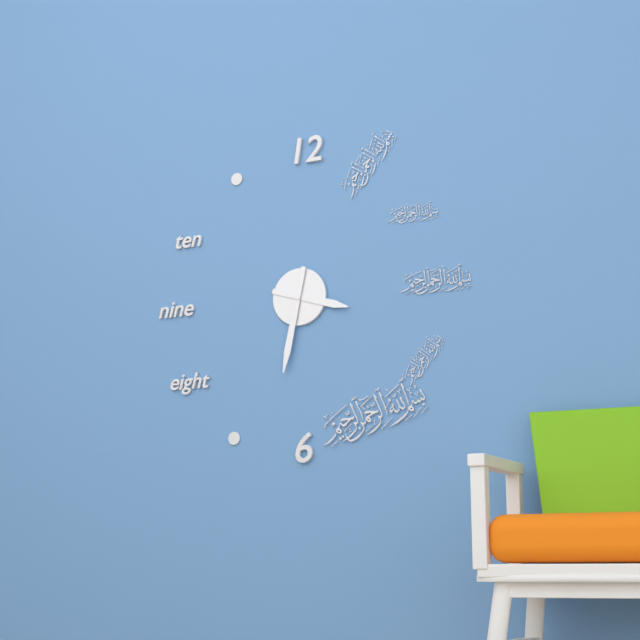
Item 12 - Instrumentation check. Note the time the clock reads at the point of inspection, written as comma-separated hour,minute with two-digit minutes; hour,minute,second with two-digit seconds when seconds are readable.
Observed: 3,32
